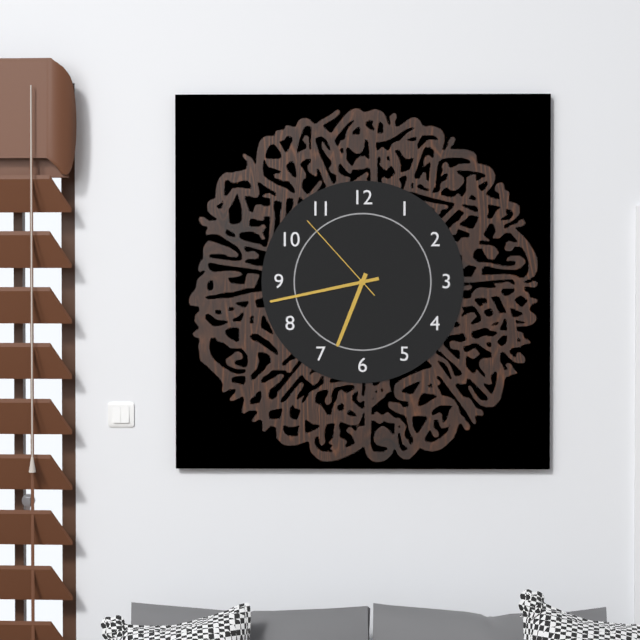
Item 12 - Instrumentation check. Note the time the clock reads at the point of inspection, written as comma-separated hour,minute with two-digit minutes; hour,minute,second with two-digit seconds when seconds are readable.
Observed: 6,43,53
